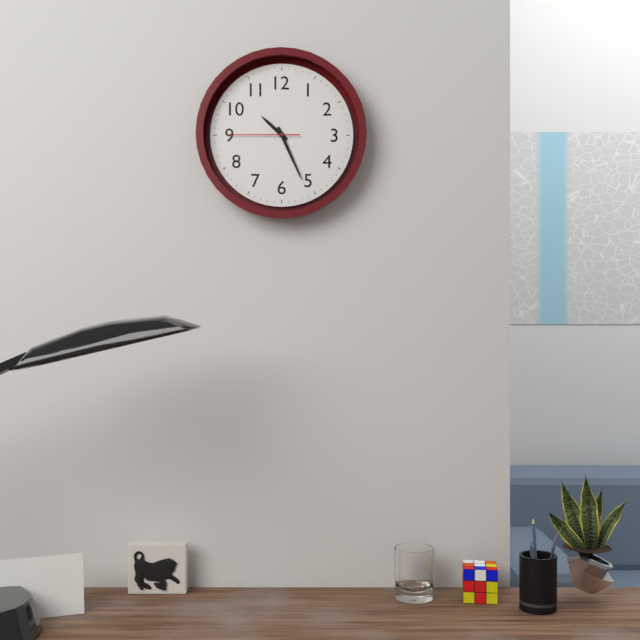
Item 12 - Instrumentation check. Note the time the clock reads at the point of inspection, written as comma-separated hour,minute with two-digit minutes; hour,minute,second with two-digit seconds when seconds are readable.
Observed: 10,26,45
